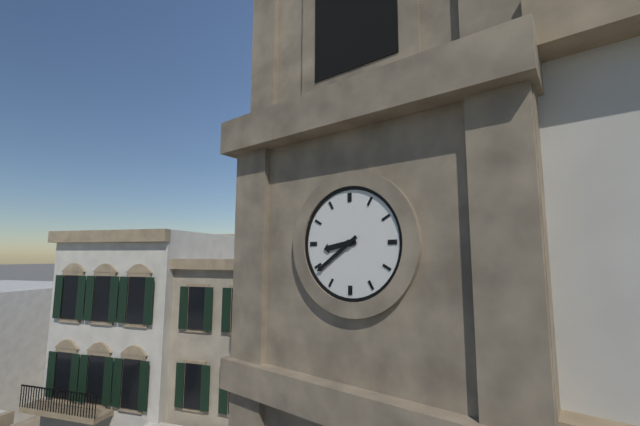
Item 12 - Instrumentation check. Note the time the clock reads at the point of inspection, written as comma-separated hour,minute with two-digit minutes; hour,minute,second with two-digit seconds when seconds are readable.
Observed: 8,39
